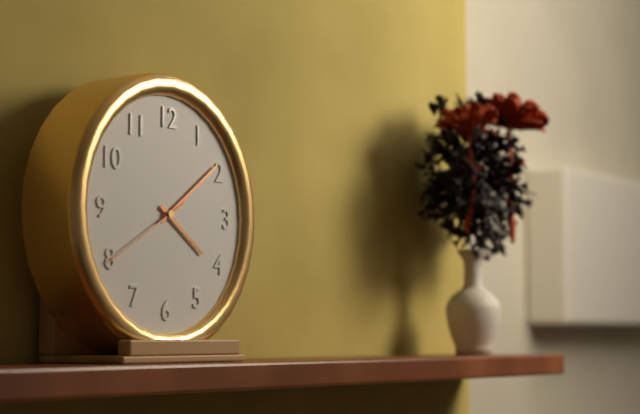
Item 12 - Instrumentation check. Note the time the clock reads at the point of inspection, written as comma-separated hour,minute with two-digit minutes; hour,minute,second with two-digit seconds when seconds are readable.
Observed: 4,09,40
